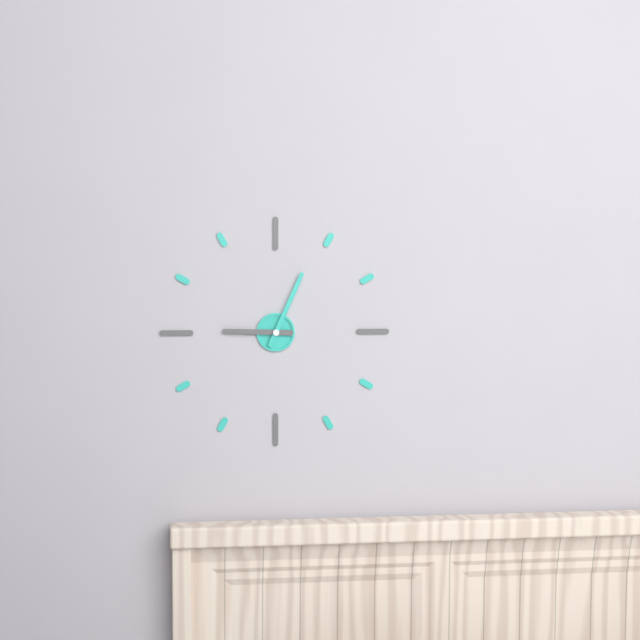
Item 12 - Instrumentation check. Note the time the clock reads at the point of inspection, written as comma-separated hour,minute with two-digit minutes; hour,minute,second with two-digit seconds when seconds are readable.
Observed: 9,04
